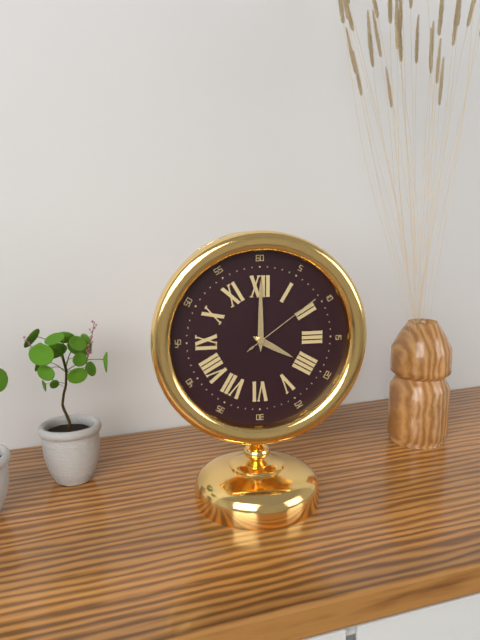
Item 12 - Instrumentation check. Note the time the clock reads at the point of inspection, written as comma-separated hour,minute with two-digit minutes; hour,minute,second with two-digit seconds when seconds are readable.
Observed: 4,00,09
